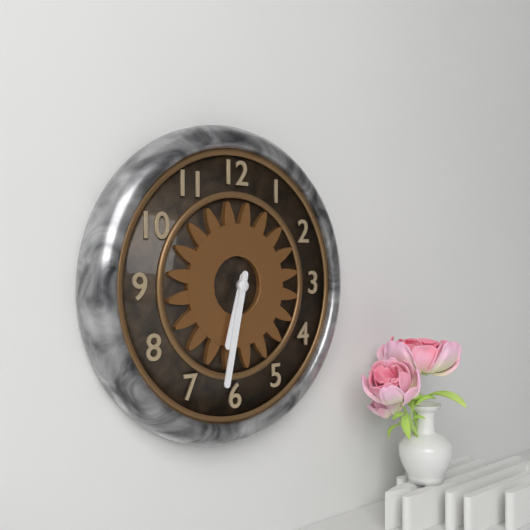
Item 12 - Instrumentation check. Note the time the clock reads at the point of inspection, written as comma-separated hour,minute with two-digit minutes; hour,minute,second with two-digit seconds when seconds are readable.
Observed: 6,32
